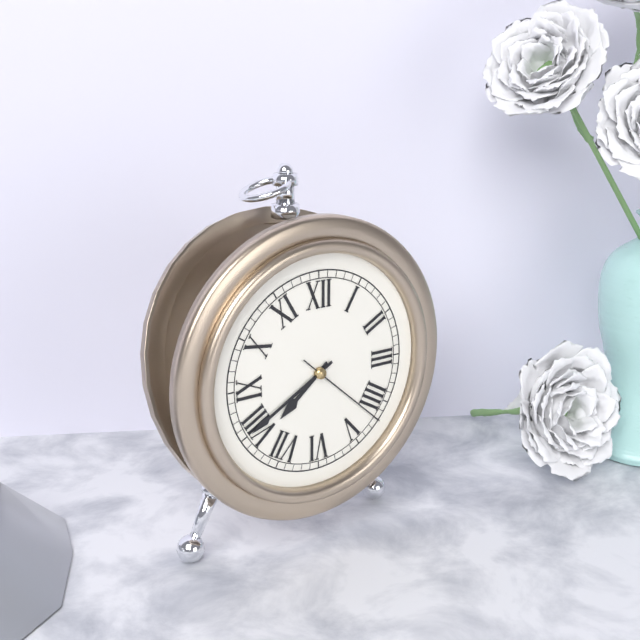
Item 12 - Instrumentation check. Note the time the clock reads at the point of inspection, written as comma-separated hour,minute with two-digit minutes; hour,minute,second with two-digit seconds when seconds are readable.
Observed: 7,40,22
